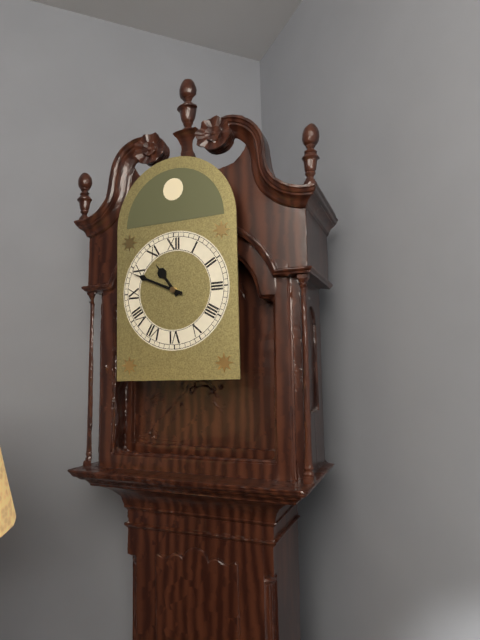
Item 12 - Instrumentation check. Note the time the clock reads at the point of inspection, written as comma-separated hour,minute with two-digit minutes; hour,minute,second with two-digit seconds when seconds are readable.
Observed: 10,49
